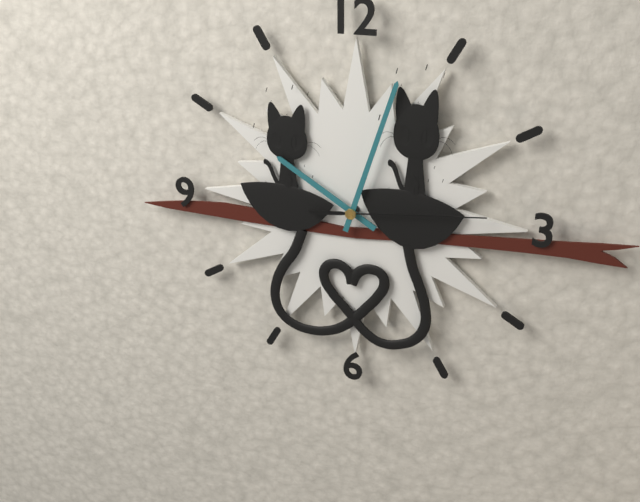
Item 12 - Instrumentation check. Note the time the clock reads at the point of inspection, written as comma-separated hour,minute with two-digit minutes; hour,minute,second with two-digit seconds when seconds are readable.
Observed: 10,03,14
